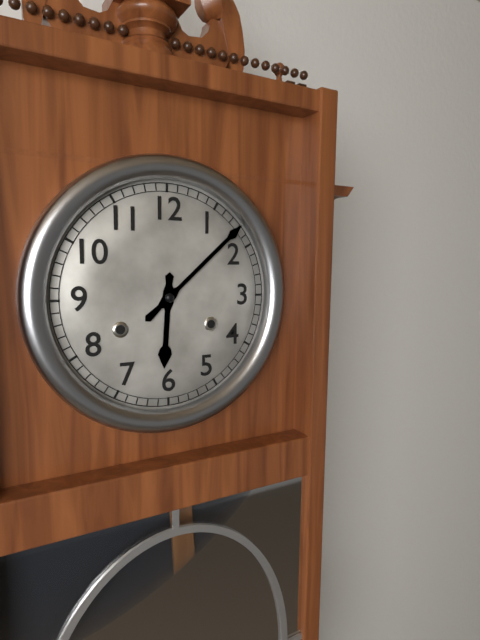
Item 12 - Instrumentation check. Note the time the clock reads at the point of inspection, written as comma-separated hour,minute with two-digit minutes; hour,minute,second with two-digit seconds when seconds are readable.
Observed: 6,08
